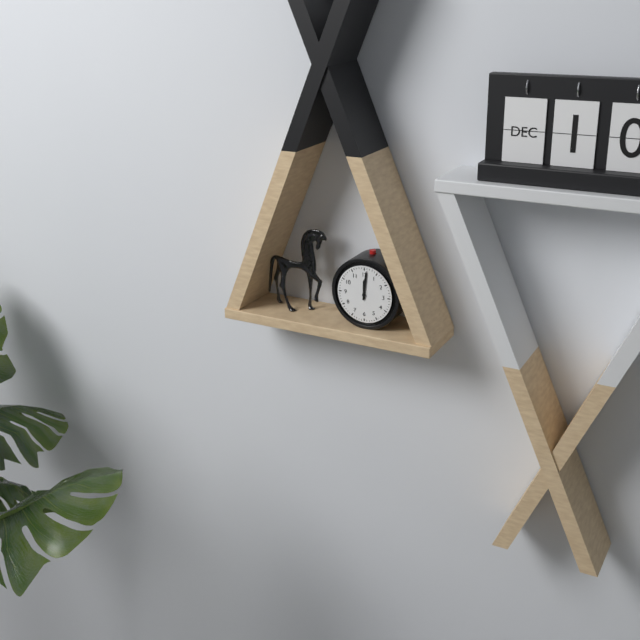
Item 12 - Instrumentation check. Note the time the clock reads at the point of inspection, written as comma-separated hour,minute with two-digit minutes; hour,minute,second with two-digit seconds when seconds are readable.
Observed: 12,01
